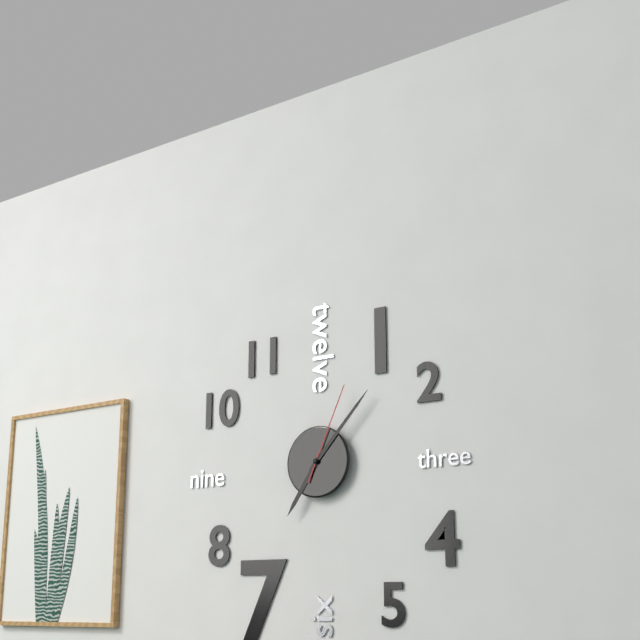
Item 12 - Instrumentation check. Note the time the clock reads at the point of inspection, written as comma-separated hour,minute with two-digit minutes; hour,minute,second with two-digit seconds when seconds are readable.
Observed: 7,07,04
